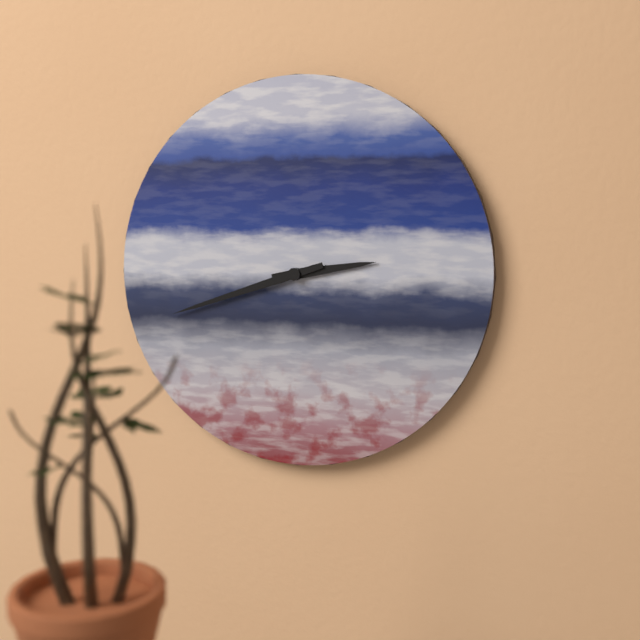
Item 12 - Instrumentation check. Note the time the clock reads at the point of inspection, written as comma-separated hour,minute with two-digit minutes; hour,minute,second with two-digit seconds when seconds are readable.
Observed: 2,42
